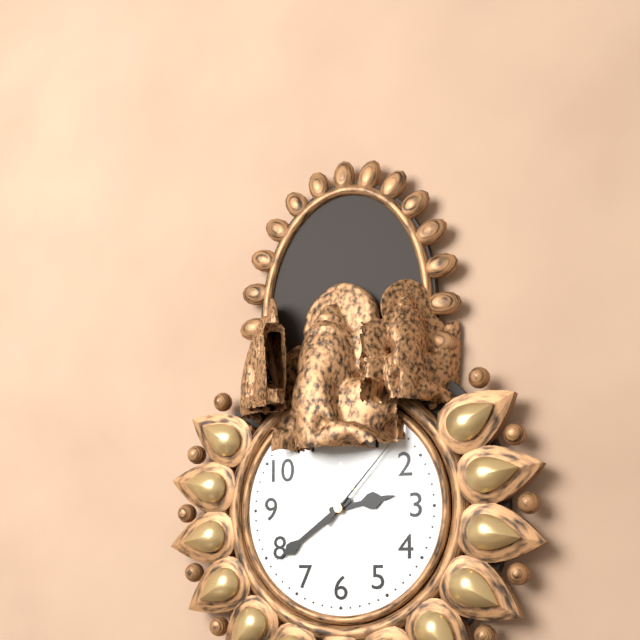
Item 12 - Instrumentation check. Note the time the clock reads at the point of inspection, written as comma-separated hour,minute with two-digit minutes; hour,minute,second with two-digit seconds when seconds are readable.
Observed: 2,39,07
